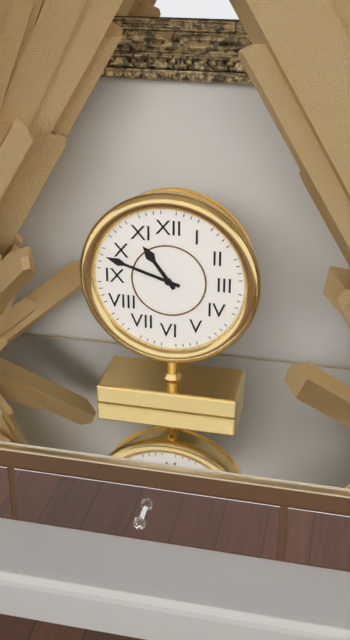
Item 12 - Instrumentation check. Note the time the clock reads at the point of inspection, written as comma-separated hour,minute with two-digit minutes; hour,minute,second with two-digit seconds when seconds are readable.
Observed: 10,48
